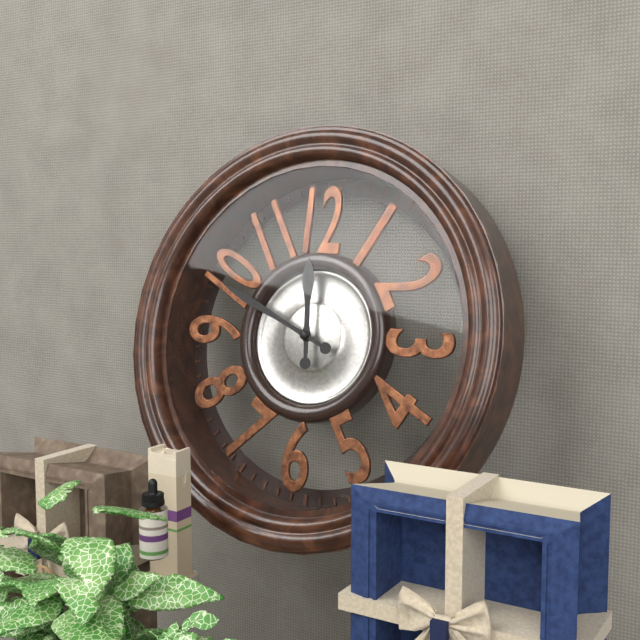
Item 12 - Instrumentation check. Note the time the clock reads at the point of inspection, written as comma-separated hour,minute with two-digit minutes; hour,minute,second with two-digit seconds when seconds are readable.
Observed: 11,49
